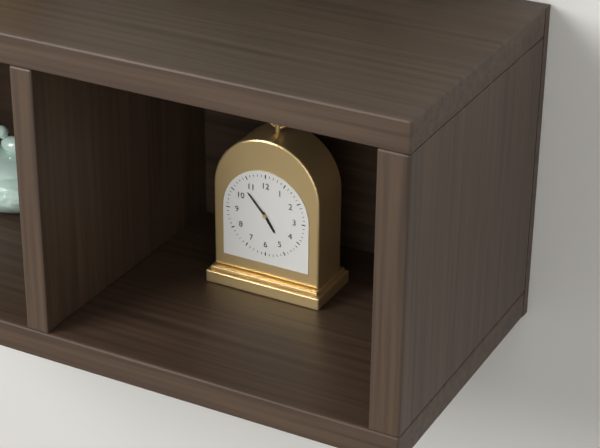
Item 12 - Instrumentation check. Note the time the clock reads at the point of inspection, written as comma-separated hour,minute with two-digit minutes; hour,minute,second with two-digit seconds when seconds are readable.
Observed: 4,53
